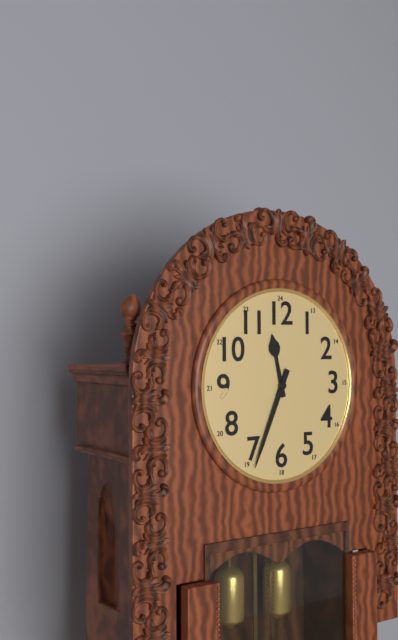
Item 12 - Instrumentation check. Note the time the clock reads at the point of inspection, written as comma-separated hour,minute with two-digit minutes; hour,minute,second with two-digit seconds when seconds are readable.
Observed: 11,34
